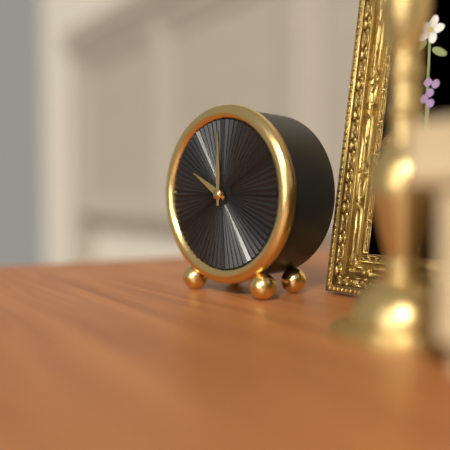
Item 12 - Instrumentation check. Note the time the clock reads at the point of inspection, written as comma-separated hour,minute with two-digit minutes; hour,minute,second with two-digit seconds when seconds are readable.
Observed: 10,00
